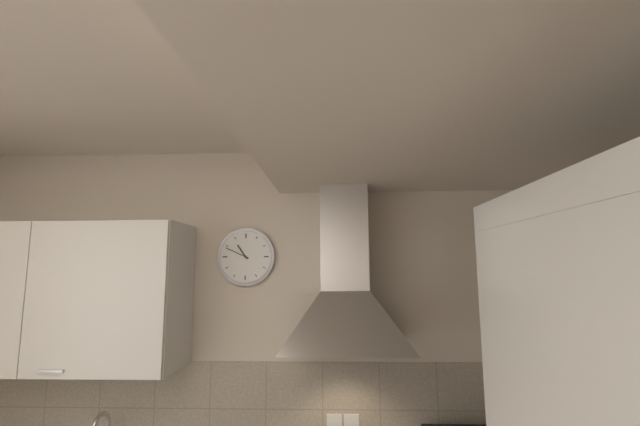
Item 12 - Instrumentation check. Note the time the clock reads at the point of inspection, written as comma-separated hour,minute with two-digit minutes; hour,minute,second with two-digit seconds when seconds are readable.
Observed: 10,49
